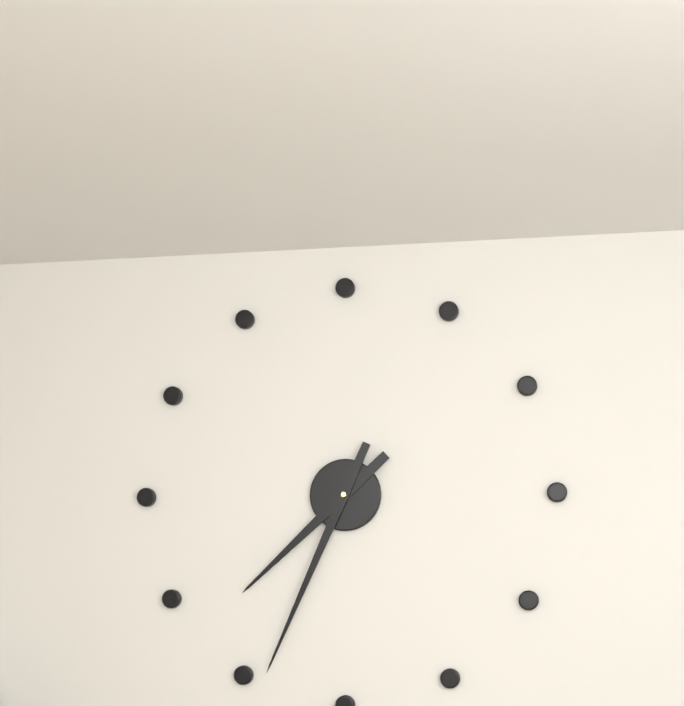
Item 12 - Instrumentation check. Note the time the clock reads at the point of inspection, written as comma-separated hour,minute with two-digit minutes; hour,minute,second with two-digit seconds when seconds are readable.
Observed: 7,34
